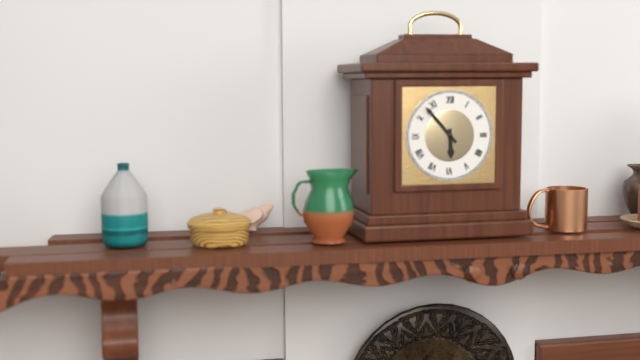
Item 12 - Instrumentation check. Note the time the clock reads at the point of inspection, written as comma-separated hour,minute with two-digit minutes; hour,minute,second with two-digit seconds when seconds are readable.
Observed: 5,53
